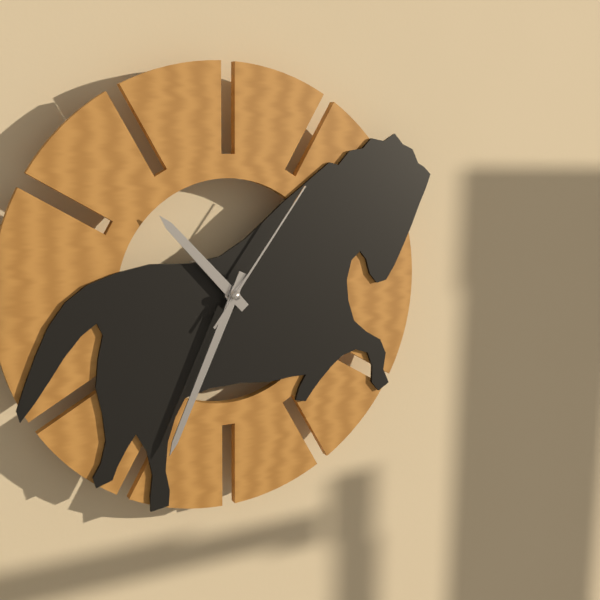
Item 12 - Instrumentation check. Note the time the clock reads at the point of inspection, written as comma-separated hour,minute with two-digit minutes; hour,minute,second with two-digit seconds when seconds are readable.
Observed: 10,34,06
